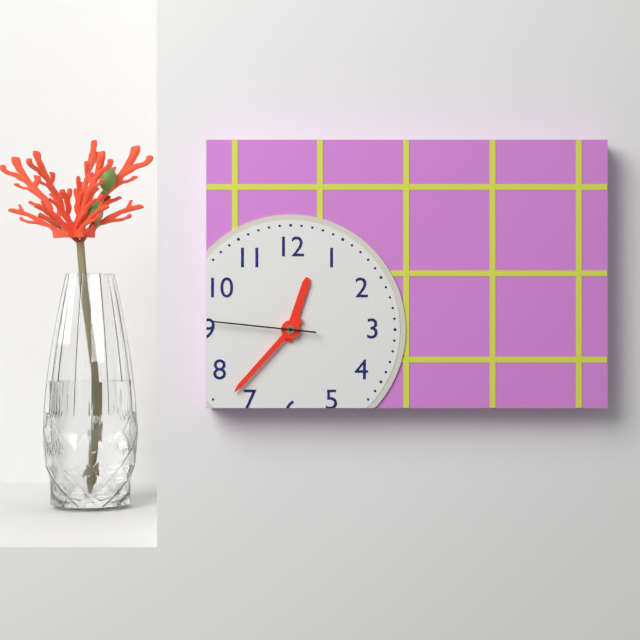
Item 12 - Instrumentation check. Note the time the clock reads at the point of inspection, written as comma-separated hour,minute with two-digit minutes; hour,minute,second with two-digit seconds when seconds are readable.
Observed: 12,37,46
